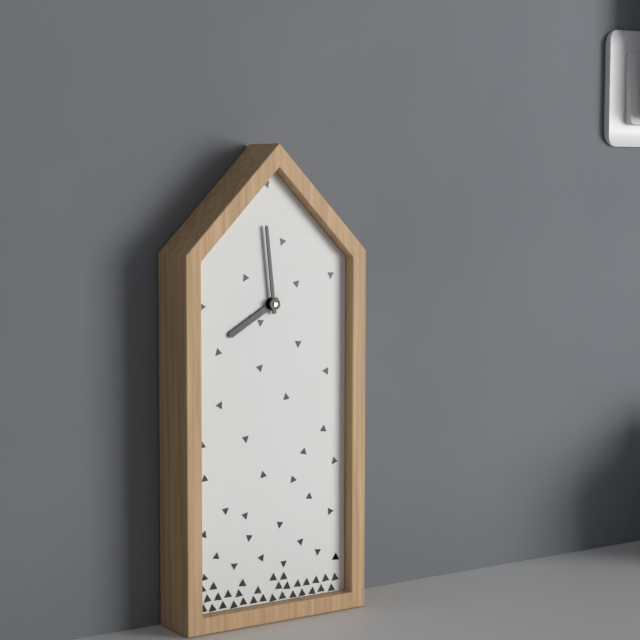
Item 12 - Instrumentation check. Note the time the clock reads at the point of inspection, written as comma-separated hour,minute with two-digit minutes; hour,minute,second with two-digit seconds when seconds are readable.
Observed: 7,59
